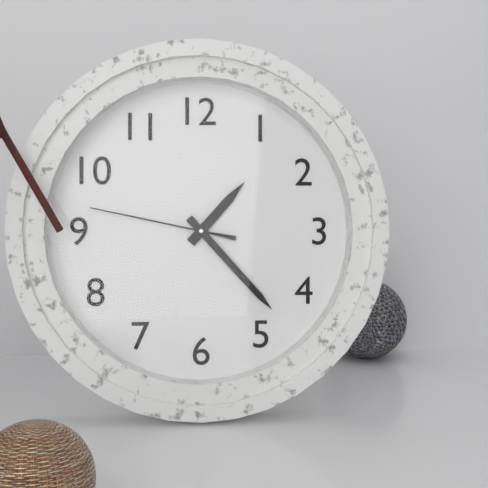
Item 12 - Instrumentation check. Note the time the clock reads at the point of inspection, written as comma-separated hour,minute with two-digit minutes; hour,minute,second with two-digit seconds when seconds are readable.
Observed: 1,23,47
